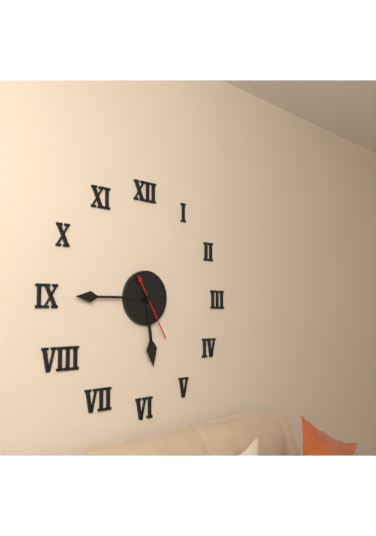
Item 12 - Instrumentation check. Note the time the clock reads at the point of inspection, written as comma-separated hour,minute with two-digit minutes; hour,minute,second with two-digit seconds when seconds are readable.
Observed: 5,45,25
